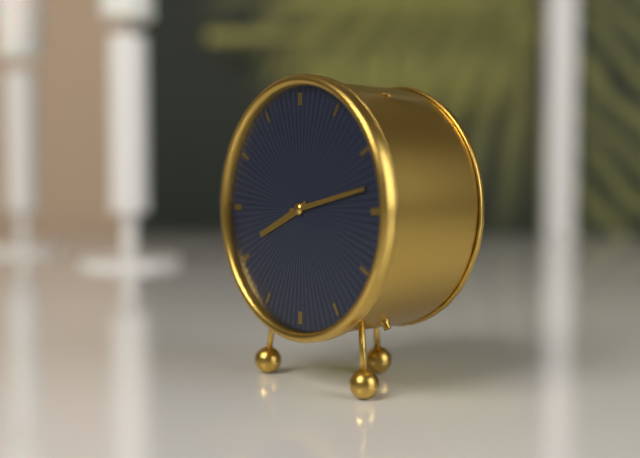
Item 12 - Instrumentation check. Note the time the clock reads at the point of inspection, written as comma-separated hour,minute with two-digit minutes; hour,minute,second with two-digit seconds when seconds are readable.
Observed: 8,13
